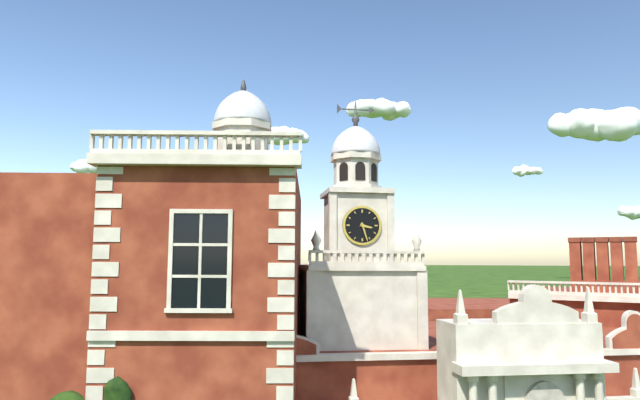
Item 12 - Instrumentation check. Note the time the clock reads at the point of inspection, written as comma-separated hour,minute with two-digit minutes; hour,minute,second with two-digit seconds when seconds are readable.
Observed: 3,27
